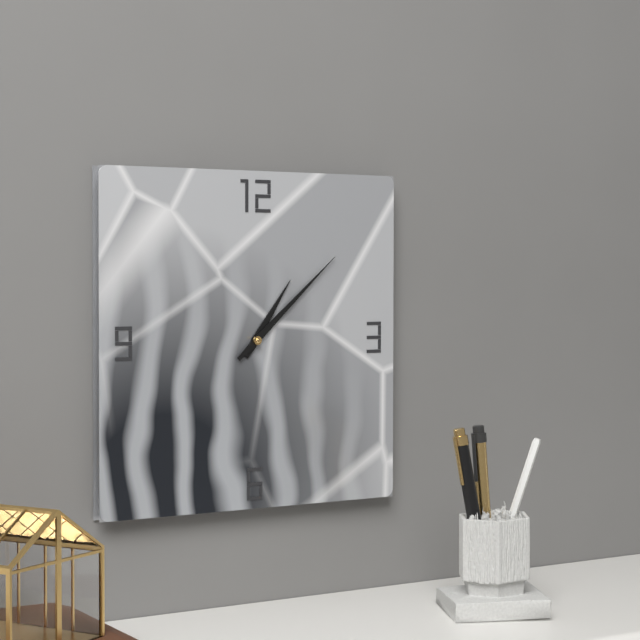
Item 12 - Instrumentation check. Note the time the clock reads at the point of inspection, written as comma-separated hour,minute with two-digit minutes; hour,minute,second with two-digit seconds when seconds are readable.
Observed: 1,08
